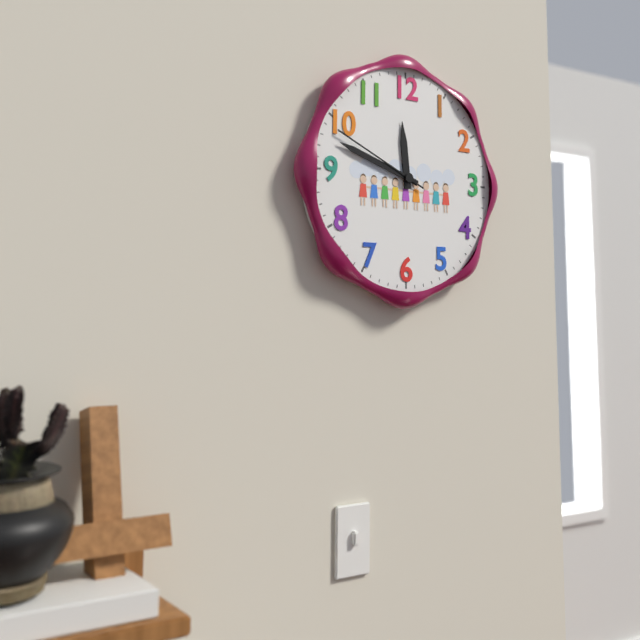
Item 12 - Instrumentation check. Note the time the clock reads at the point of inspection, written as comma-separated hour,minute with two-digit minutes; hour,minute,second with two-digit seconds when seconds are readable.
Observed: 11,48,49
